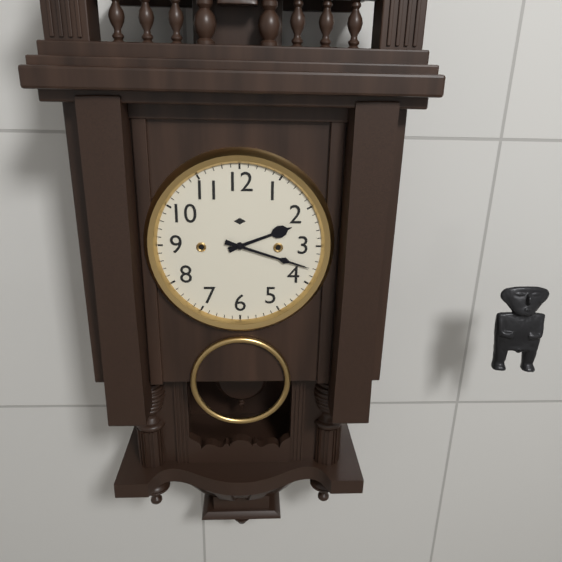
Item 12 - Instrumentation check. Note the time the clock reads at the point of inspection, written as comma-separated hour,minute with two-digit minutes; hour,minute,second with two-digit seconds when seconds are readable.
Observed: 2,18
